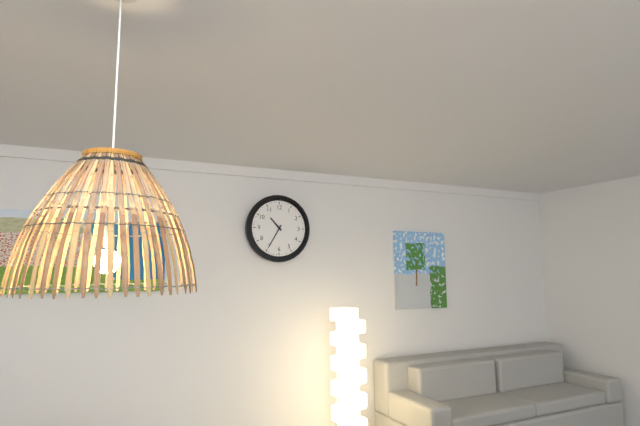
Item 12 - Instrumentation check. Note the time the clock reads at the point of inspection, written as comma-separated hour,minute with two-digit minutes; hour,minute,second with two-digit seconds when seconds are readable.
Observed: 10,35
